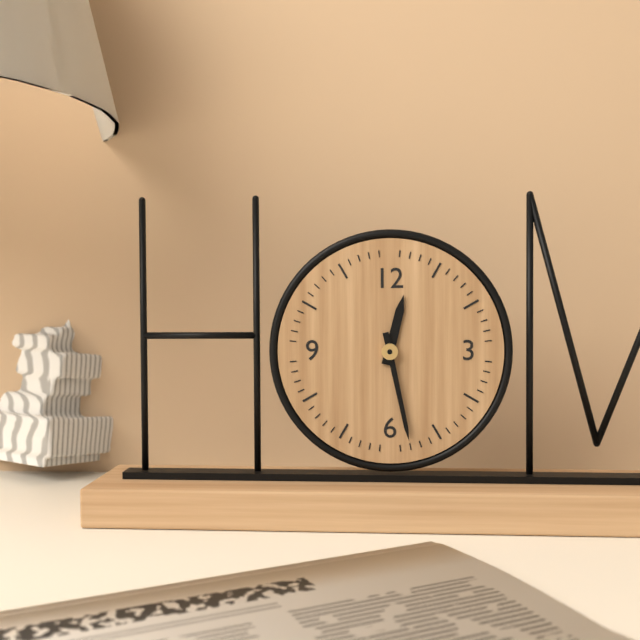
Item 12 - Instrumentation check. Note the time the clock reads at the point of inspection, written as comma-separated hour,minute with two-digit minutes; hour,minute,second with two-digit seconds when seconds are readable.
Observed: 12,28
